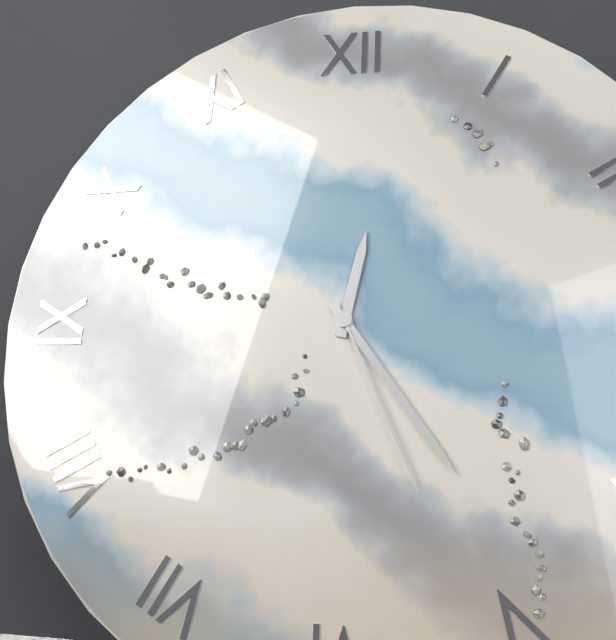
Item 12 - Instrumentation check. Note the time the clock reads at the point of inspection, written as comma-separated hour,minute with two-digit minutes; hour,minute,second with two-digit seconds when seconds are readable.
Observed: 12,24,26
